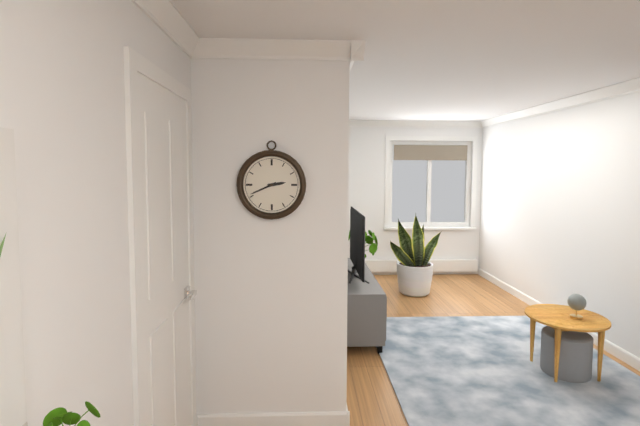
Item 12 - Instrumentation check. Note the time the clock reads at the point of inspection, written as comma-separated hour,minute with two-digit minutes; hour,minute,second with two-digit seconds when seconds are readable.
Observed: 2,41
